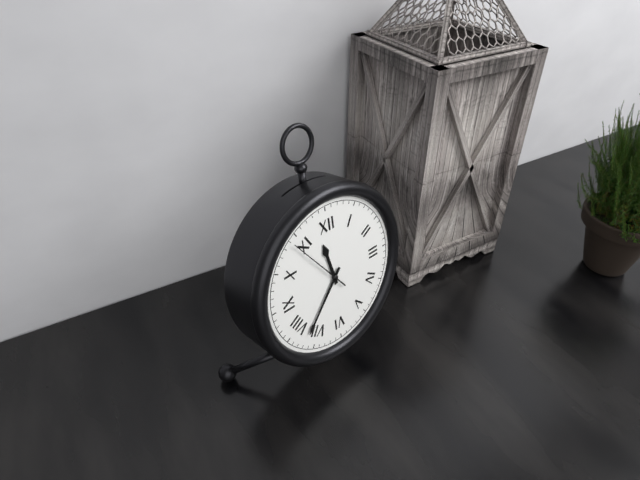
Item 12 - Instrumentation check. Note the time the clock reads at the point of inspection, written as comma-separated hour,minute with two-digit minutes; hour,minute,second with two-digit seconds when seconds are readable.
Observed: 11,37
